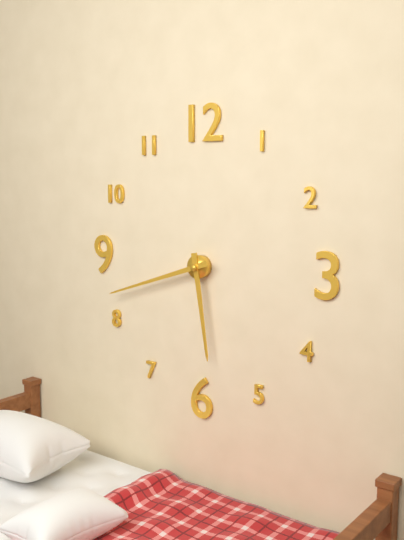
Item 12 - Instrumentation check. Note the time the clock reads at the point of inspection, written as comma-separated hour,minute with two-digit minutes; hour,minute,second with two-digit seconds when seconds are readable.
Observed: 5,42
